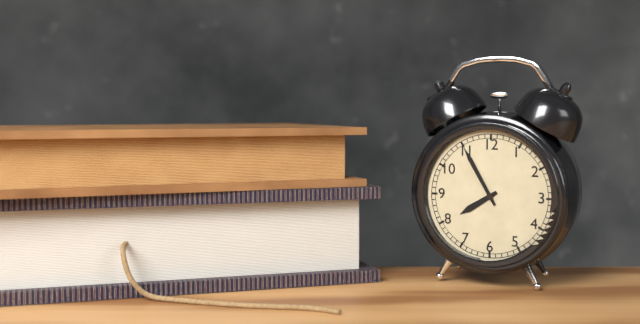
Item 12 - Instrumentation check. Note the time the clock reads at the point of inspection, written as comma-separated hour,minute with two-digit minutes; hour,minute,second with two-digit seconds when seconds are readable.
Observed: 7,55
